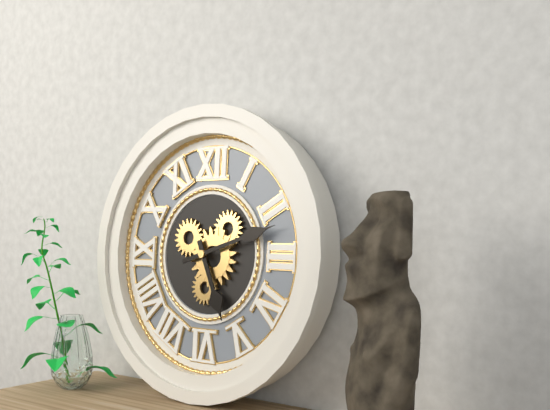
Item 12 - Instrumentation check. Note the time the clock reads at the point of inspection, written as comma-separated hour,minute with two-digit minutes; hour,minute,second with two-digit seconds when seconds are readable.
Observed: 5,12
